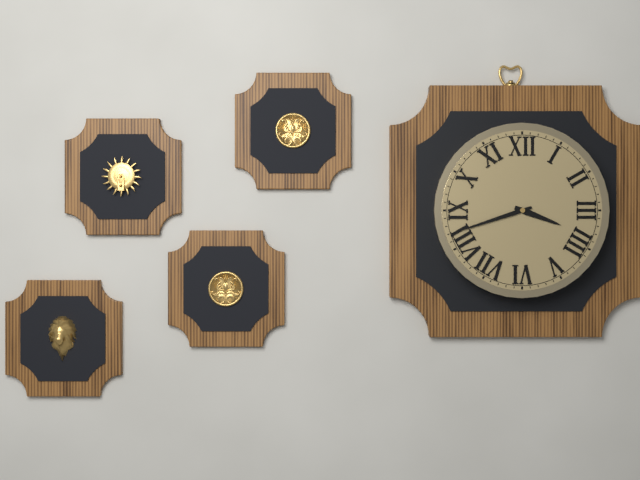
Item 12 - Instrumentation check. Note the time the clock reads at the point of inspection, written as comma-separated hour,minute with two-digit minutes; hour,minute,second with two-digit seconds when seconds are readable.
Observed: 3,42
